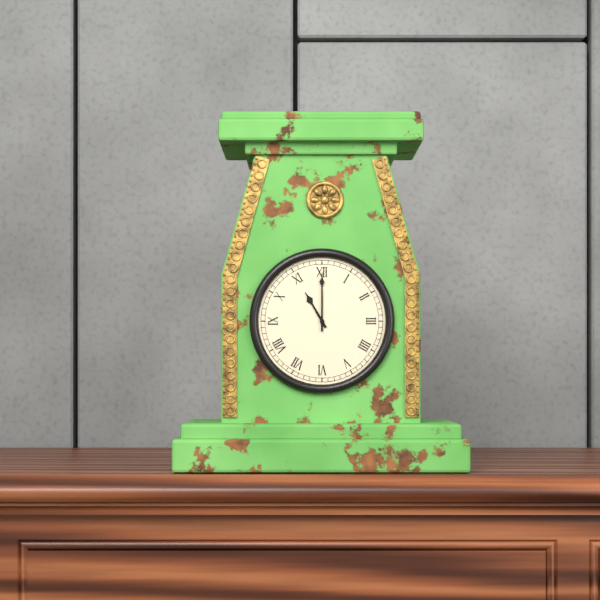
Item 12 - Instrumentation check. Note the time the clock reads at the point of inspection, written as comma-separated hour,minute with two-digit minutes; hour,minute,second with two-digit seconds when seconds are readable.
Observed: 11,00
